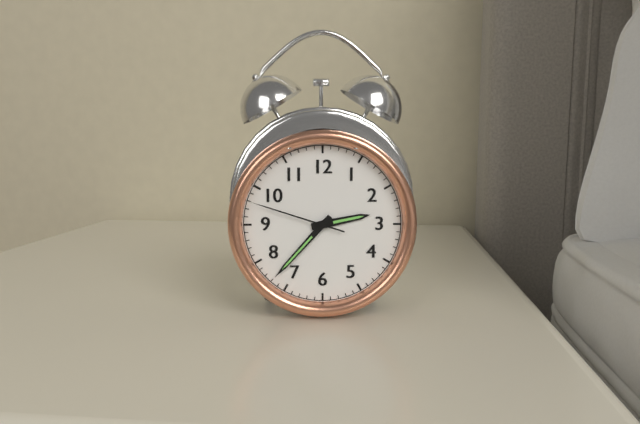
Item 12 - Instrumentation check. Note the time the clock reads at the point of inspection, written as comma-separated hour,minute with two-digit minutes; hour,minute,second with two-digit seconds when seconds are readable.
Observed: 2,37,48
